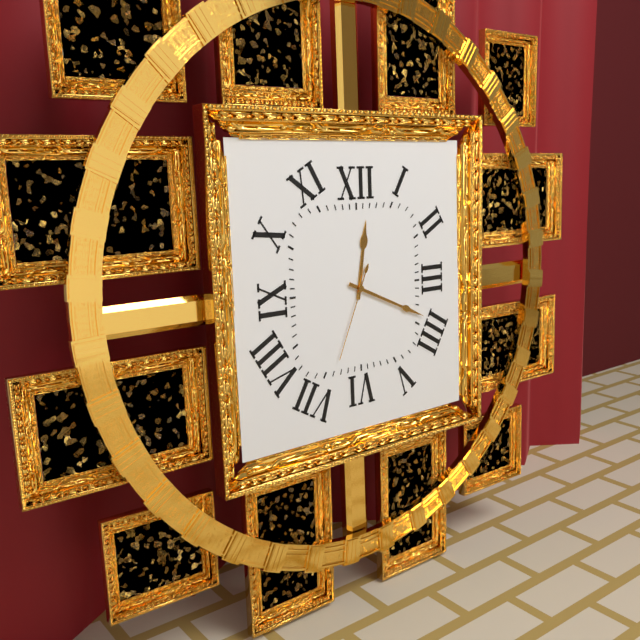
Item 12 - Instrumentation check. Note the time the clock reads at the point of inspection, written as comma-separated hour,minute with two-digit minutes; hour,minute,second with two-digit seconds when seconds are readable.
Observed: 12,19,34
